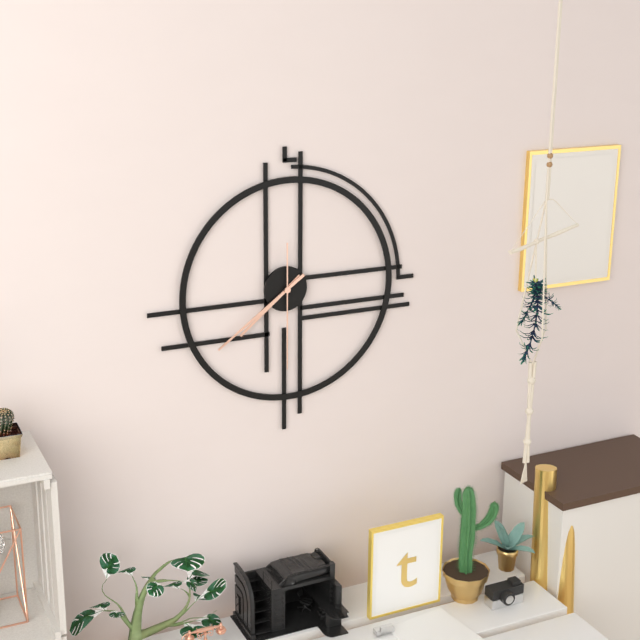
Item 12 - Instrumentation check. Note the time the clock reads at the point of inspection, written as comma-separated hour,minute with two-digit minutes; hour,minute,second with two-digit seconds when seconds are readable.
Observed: 7,39,30
